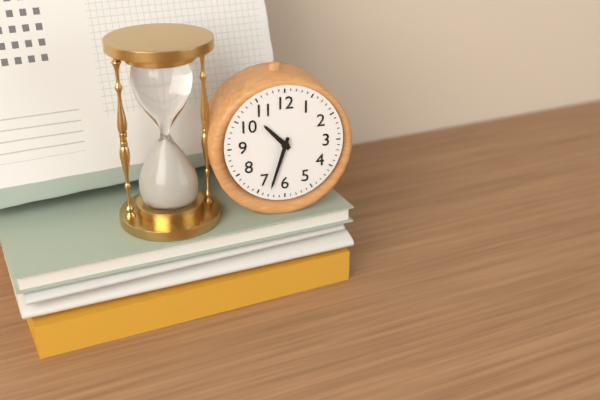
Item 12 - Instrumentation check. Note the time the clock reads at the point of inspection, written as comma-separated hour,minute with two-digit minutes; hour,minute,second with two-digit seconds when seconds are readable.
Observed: 10,33
